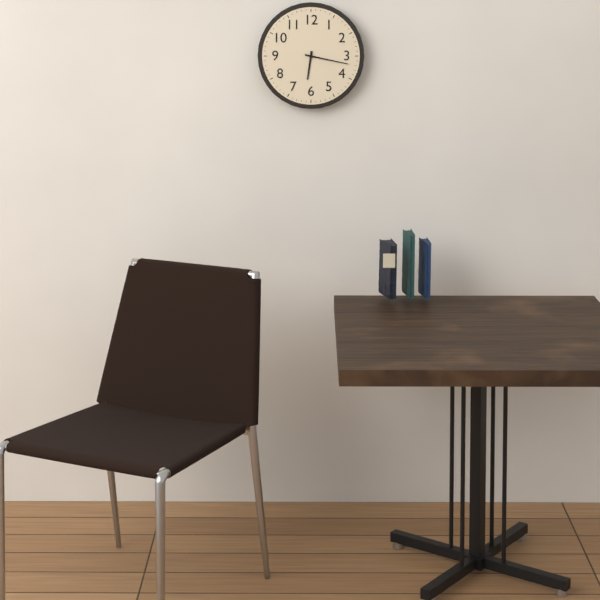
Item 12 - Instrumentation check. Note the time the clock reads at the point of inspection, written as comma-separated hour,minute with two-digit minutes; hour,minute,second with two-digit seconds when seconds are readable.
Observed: 6,17
